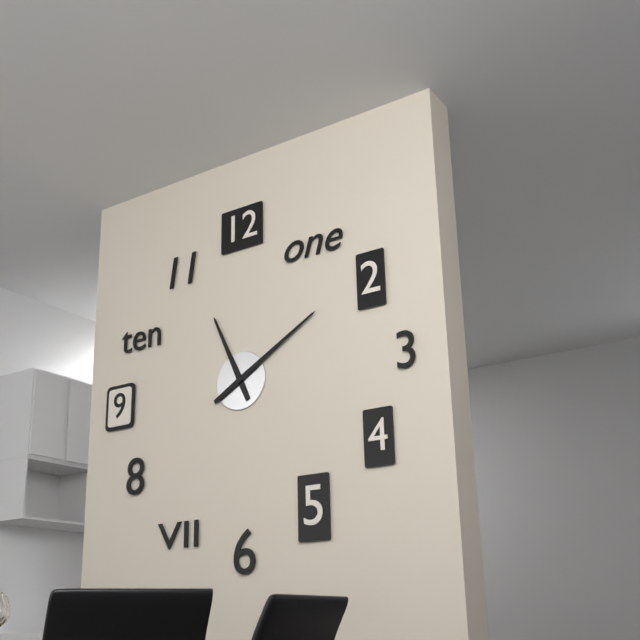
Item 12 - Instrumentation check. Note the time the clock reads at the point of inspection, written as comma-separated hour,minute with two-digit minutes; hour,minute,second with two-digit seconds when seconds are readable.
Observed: 11,10
